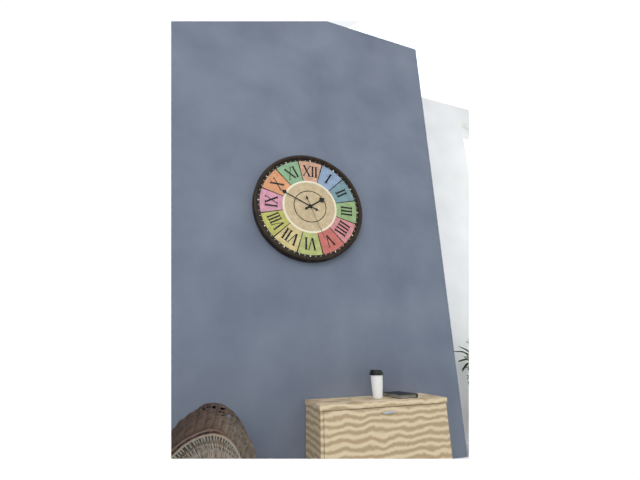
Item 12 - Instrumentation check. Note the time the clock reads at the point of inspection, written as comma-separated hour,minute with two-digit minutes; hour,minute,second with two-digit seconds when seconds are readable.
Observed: 1,49
